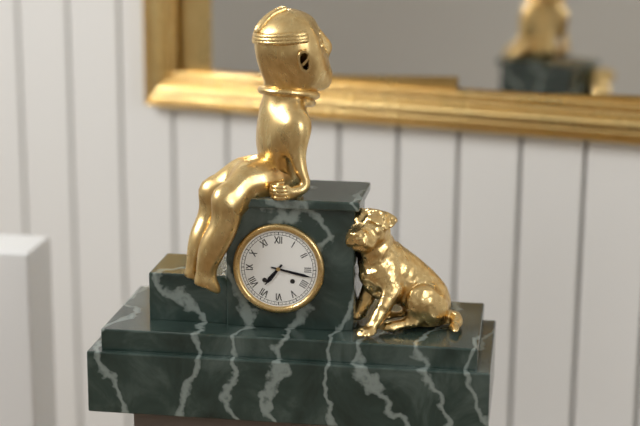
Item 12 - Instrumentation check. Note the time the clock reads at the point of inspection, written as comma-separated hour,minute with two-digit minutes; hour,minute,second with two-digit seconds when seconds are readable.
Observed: 7,17
